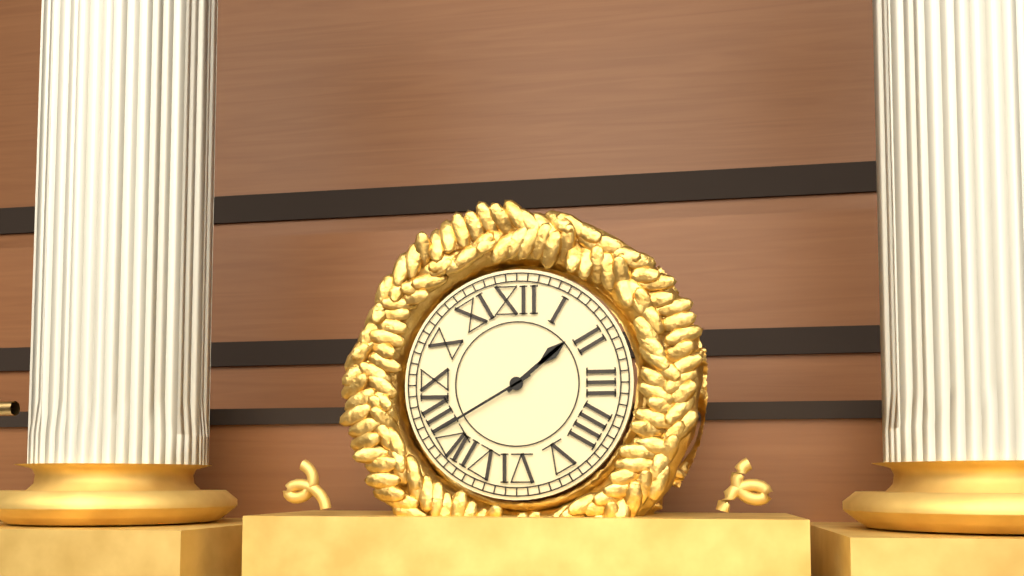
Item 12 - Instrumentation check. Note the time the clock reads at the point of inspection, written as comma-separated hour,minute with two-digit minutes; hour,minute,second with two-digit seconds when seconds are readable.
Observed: 1,40
